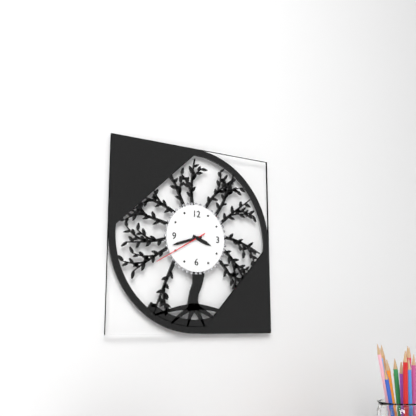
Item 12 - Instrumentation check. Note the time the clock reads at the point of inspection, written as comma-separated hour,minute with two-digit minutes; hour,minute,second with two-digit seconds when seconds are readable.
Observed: 3,42,40
